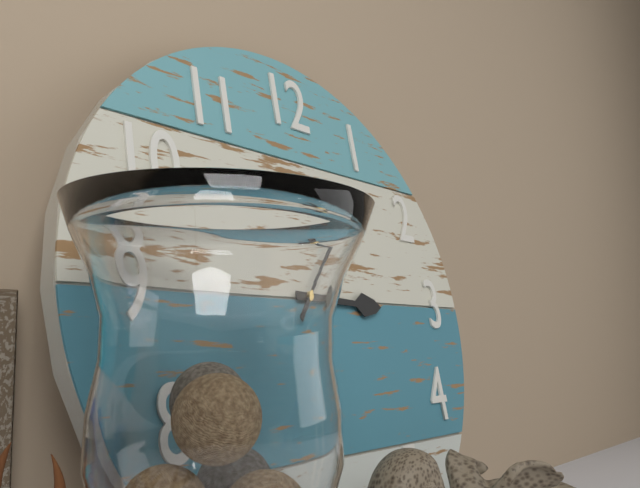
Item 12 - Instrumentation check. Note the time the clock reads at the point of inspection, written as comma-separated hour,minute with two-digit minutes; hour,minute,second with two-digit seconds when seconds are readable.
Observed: 3,07
